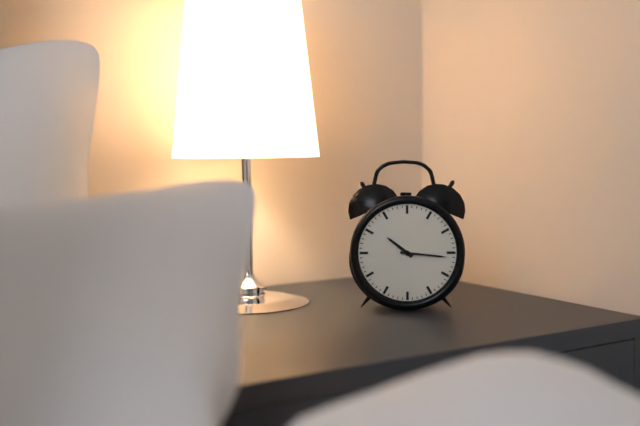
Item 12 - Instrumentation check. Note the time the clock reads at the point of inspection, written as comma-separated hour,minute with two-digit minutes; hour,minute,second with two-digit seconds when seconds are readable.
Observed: 10,16
